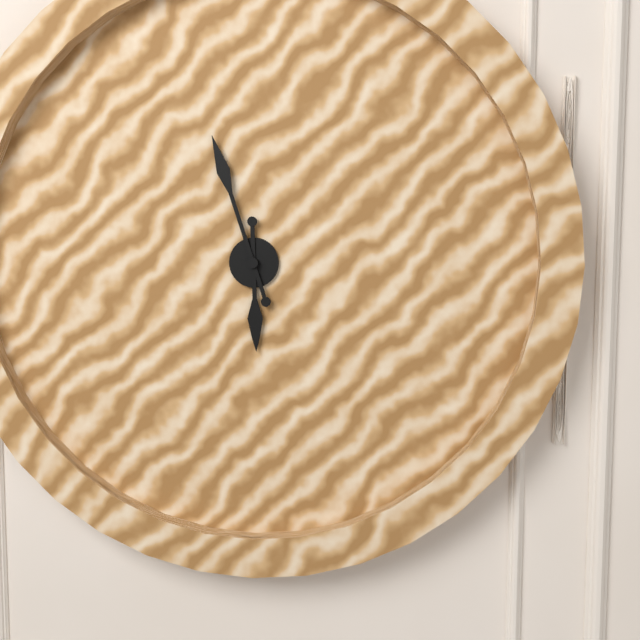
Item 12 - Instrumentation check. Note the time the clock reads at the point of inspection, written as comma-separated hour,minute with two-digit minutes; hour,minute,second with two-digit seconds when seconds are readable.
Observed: 5,57
